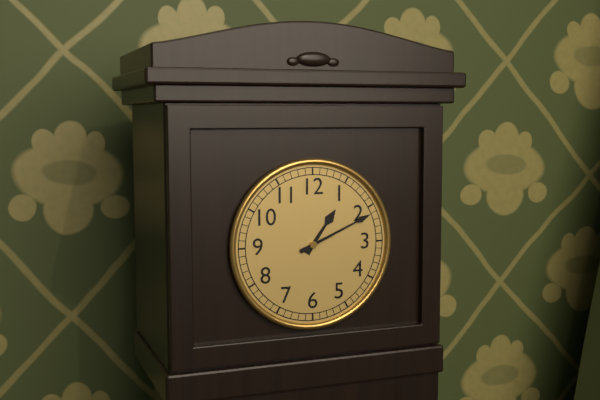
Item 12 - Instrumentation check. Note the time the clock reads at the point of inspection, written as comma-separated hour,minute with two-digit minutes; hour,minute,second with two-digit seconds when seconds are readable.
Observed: 1,11
